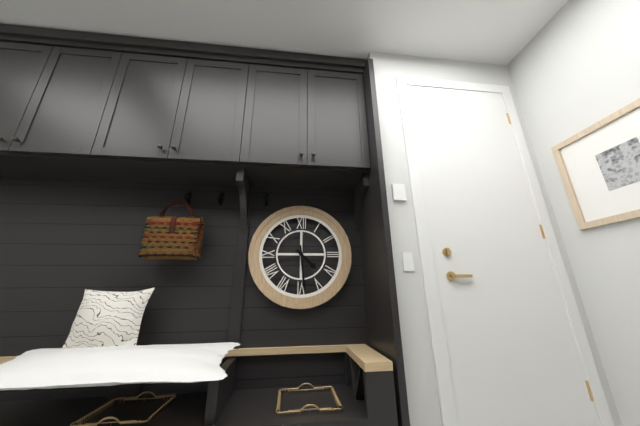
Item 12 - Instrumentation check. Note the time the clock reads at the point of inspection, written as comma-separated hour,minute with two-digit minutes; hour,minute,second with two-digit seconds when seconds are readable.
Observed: 4,29
